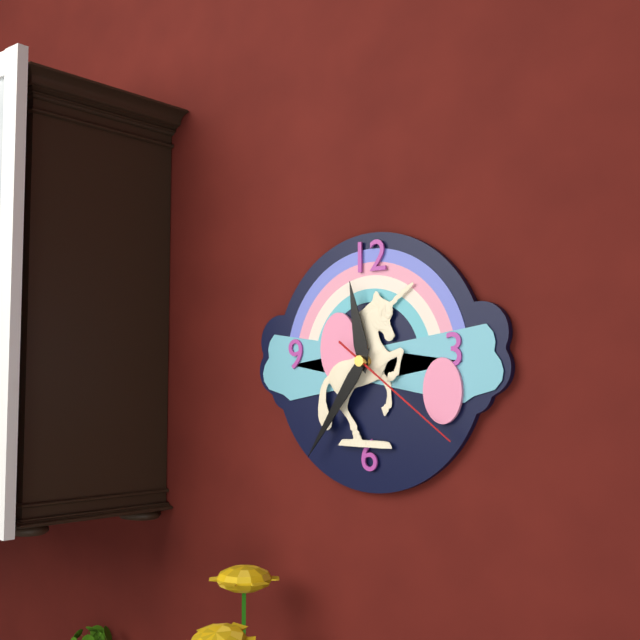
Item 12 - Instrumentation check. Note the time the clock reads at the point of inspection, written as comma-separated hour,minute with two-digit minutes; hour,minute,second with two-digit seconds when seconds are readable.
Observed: 11,36,21
